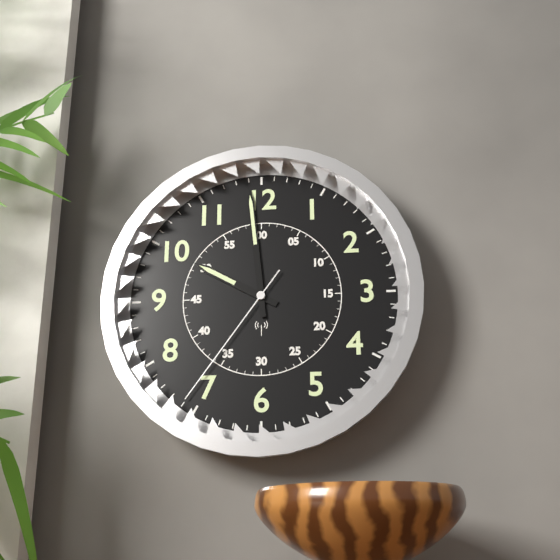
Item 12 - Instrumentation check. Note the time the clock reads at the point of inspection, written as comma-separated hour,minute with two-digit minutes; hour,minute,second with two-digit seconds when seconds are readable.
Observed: 9,59,36
